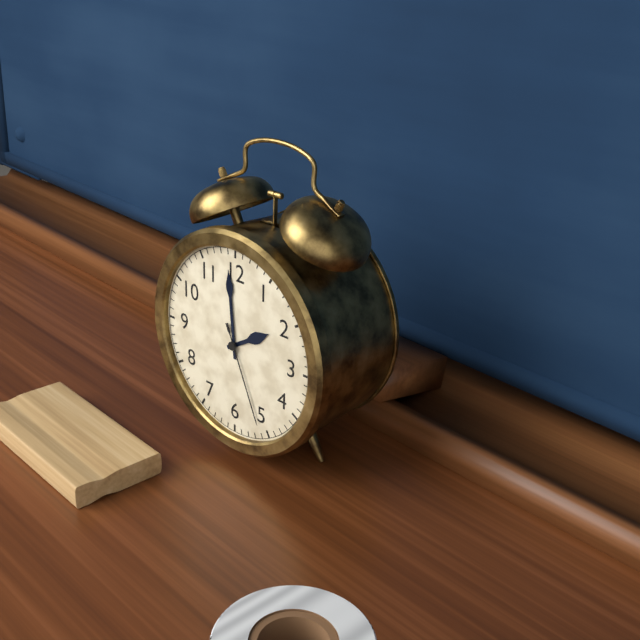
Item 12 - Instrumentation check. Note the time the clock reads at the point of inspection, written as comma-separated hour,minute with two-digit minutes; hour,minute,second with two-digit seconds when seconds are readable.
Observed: 1,59,26
